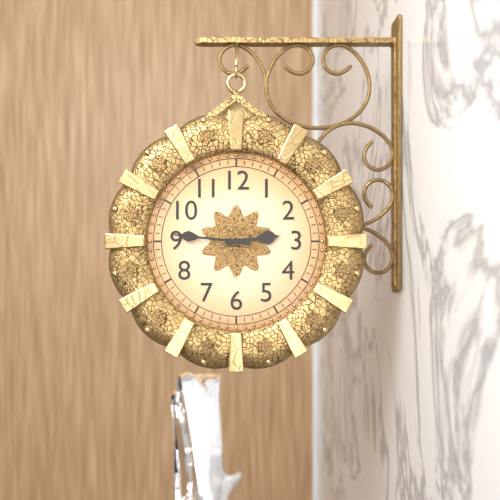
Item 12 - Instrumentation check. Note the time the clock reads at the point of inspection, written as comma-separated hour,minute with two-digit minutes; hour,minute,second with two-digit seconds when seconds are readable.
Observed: 2,46
